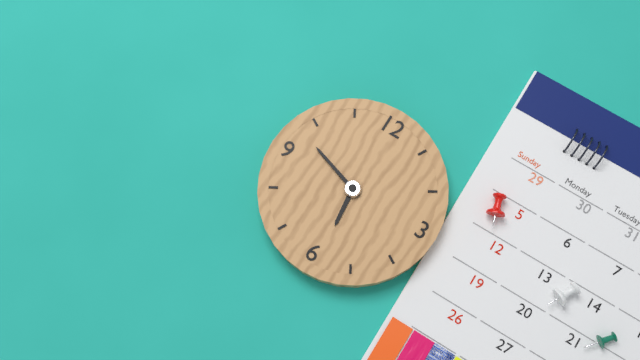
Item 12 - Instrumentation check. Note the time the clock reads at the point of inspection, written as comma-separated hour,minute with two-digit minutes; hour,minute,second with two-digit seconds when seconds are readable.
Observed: 5,48
